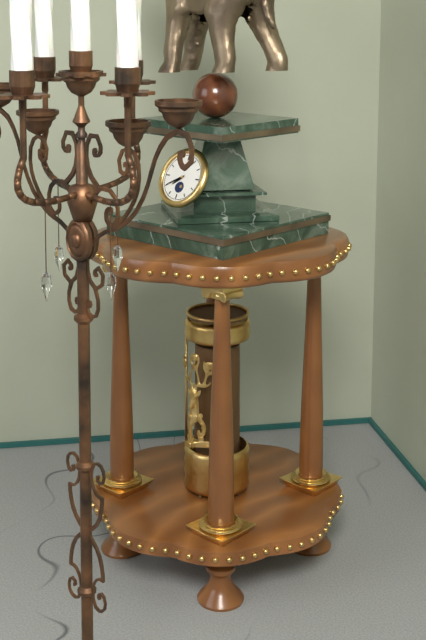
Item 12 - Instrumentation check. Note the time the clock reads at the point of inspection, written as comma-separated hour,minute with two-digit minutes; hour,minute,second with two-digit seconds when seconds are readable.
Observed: 7,40
